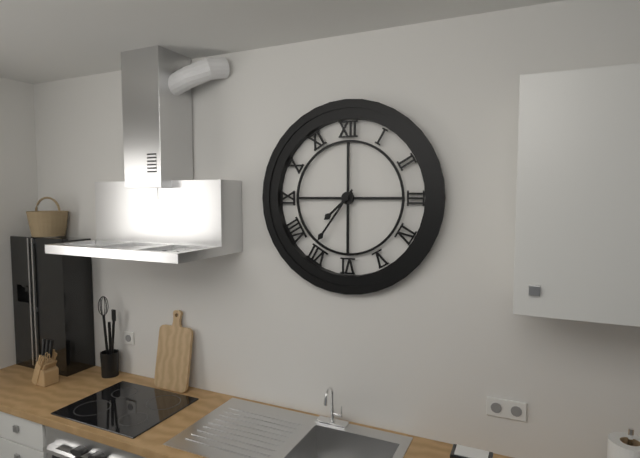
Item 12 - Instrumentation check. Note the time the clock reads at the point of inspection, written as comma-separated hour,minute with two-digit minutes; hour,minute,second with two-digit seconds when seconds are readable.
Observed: 7,36
